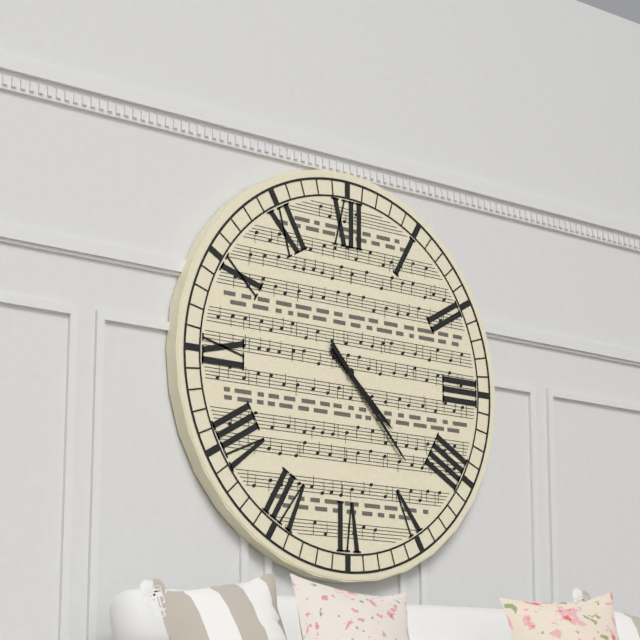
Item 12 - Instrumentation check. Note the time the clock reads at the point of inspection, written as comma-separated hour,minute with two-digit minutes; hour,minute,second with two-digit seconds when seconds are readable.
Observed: 4,23
